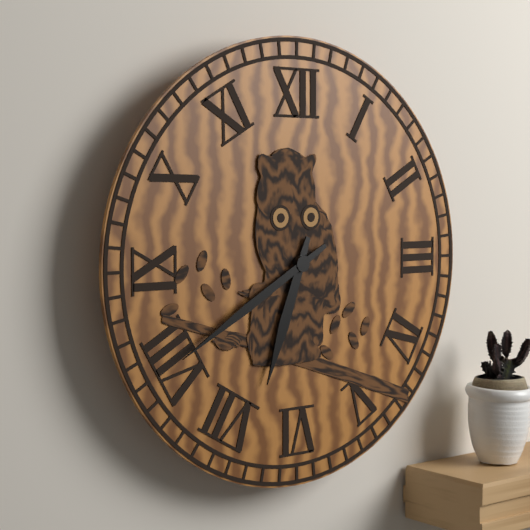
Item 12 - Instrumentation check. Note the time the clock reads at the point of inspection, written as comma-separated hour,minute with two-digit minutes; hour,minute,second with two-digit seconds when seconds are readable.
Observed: 6,40
